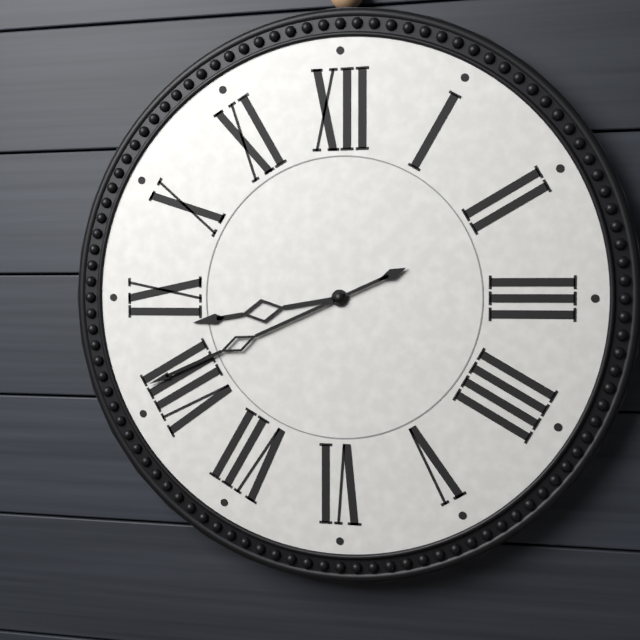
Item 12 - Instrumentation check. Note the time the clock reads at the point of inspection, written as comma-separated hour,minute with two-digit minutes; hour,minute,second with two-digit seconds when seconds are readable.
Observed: 8,41
